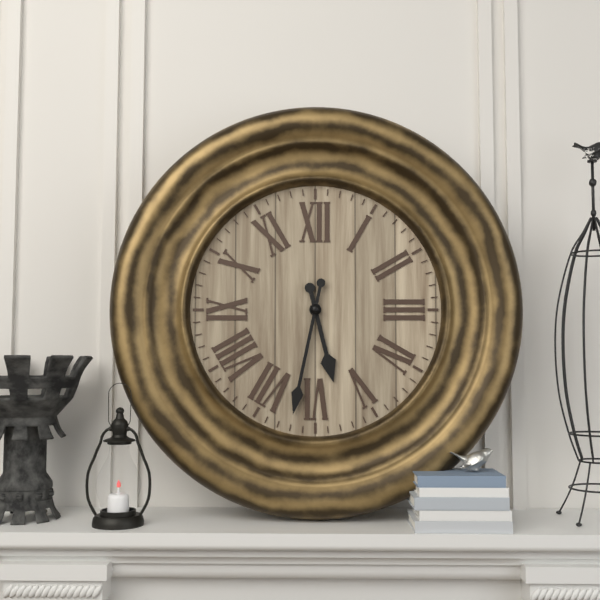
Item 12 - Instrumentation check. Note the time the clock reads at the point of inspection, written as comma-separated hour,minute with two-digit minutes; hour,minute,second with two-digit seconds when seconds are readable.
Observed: 5,32
